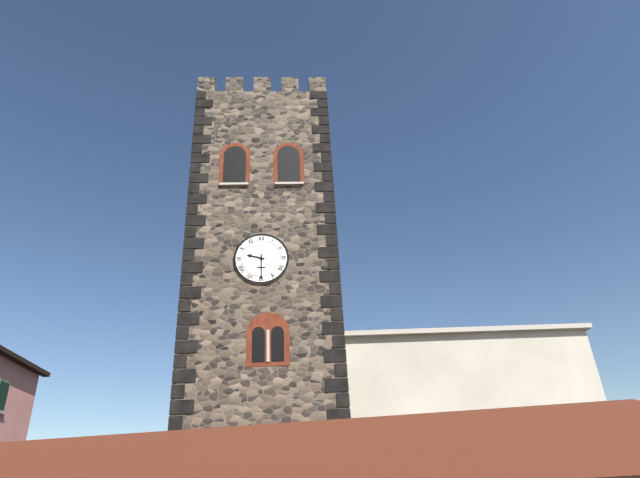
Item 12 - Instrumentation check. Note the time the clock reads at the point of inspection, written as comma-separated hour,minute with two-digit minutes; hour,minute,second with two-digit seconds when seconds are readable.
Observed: 9,30
